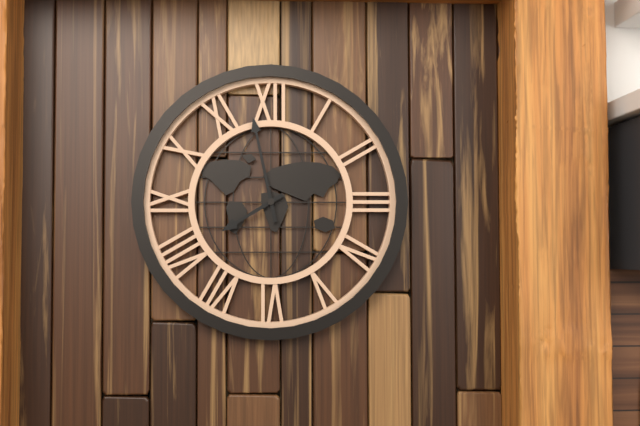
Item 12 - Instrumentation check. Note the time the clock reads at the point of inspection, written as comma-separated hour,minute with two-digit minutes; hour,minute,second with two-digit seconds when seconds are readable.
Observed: 7,58
